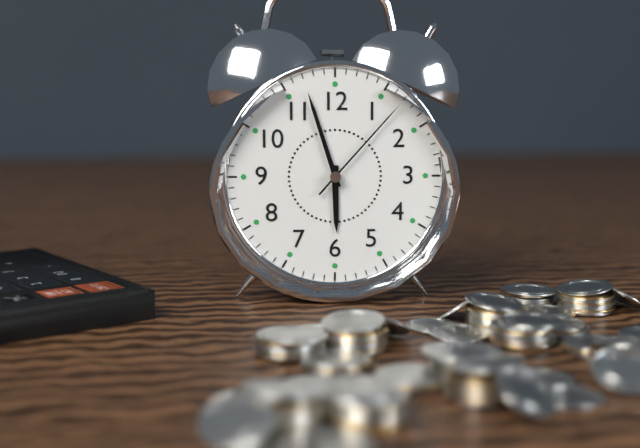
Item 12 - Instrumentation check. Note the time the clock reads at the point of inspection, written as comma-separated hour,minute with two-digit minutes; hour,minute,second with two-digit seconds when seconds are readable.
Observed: 5,57,07
